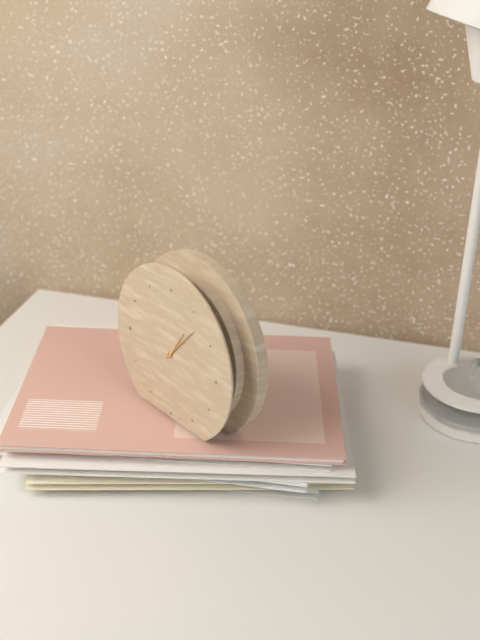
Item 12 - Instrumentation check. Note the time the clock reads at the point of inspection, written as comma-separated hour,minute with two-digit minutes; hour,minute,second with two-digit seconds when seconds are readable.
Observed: 1,07
